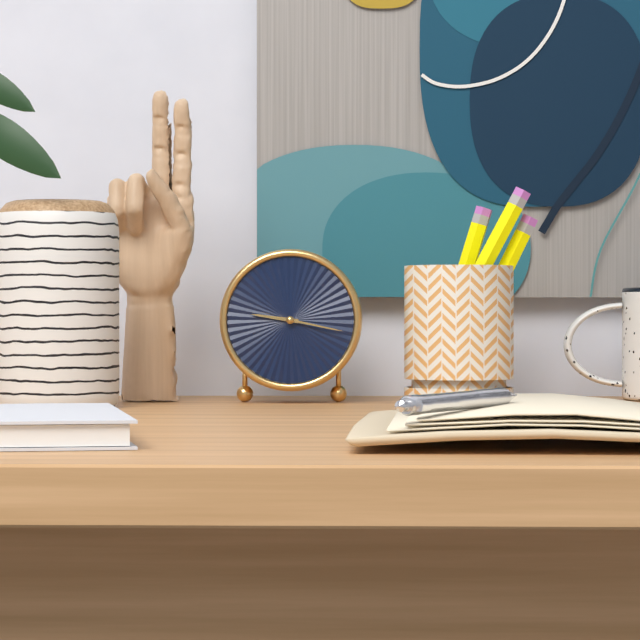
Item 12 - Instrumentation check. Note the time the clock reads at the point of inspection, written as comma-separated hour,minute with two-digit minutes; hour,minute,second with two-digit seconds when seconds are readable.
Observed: 9,17
